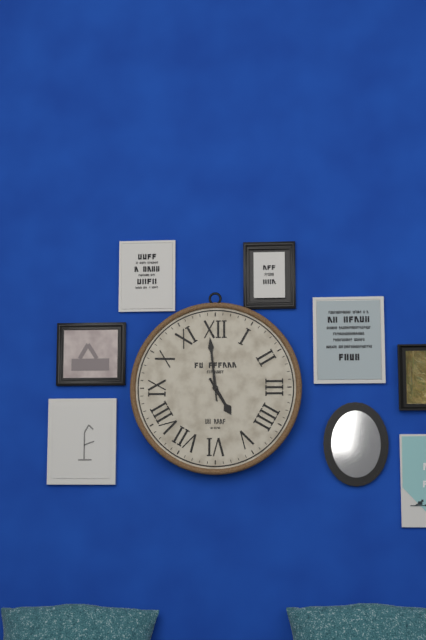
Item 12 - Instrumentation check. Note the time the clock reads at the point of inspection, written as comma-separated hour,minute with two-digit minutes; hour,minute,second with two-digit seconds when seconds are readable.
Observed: 4,59
